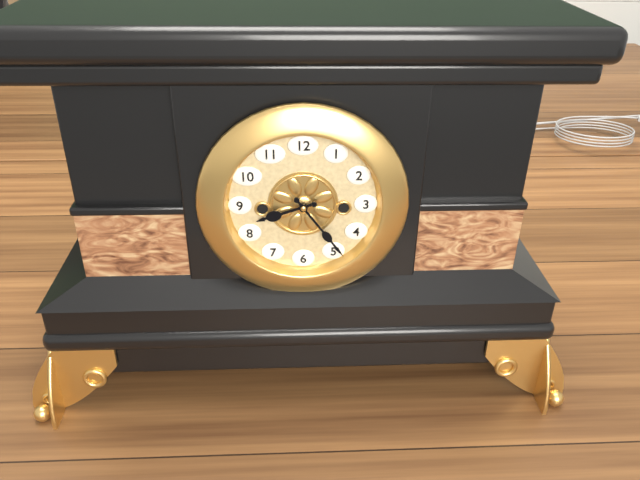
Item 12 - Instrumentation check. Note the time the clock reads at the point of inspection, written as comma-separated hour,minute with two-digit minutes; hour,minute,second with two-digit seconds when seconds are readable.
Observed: 8,24
